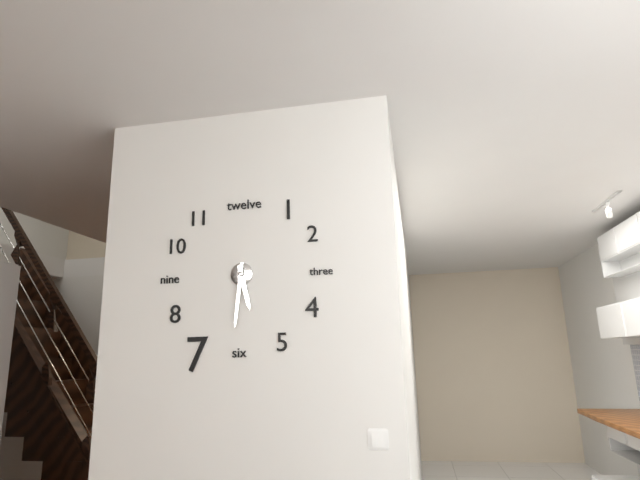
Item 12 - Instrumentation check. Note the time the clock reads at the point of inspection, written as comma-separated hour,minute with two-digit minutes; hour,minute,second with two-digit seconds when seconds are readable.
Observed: 5,31
